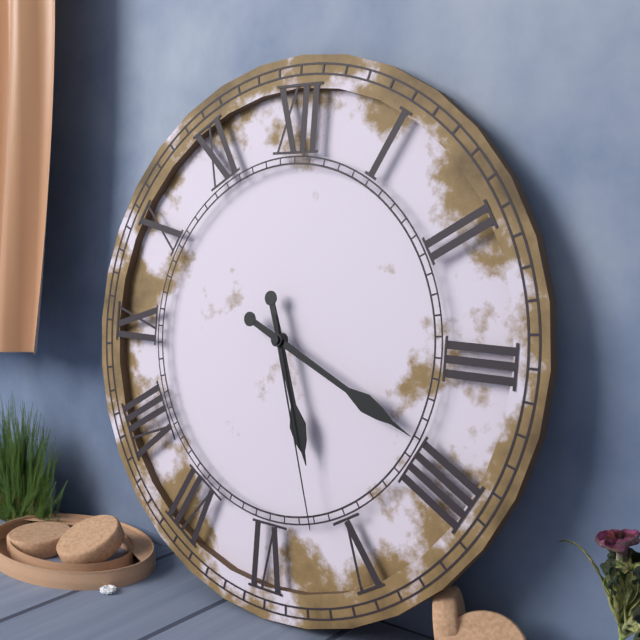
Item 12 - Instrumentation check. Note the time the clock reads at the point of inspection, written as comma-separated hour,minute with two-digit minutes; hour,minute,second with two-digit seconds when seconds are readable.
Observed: 5,19,27
